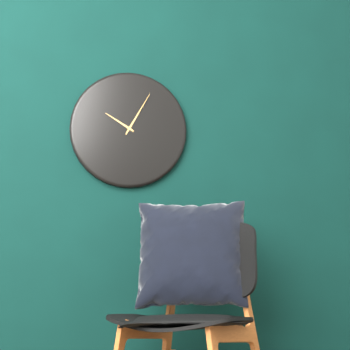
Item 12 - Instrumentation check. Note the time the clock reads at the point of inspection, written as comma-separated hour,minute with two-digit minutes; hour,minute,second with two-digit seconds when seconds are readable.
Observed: 10,05
